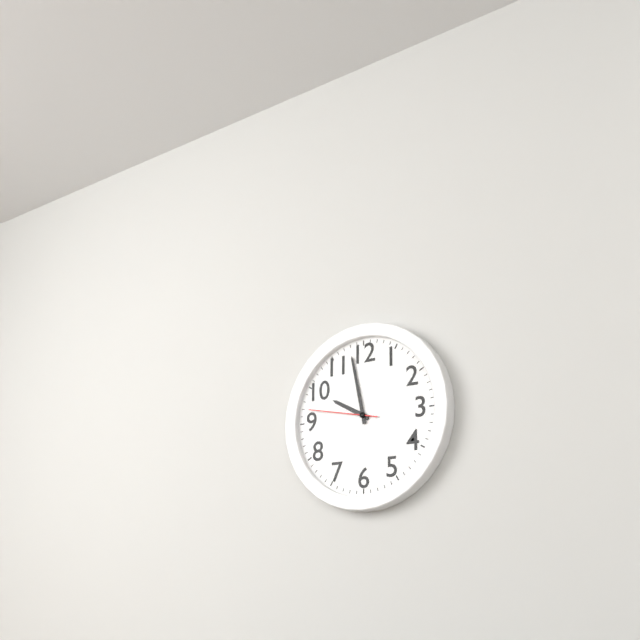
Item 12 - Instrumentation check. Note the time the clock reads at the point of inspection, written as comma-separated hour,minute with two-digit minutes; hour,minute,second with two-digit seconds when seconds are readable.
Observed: 9,58,47
